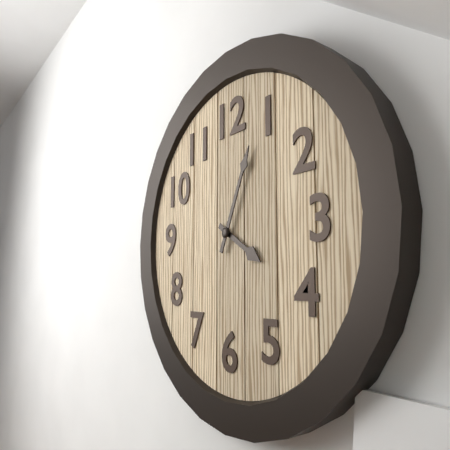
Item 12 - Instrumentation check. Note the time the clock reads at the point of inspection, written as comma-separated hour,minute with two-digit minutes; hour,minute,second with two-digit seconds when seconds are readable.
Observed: 4,04
